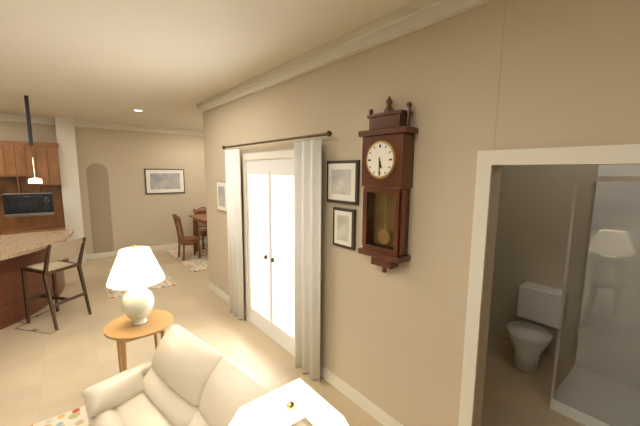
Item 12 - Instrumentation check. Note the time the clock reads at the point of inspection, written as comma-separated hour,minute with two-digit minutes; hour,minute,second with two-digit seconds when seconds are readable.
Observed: 5,30
